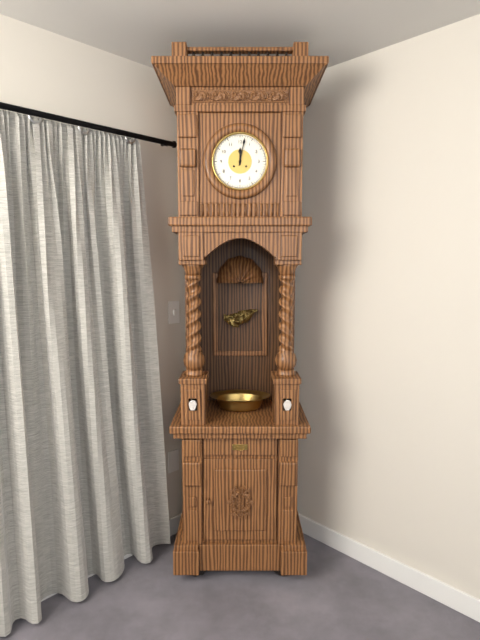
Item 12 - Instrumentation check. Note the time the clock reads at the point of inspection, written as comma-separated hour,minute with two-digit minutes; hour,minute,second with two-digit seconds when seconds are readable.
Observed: 12,02
